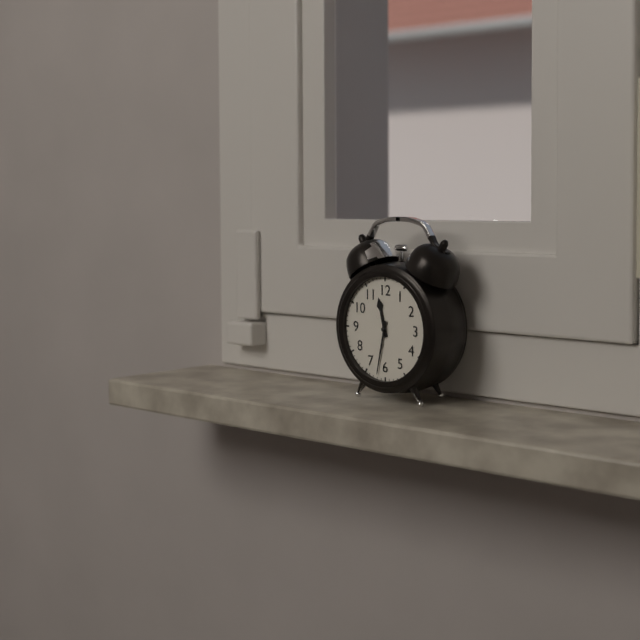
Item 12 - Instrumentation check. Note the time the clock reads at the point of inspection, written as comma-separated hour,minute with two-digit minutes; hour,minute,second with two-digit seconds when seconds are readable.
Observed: 11,32
